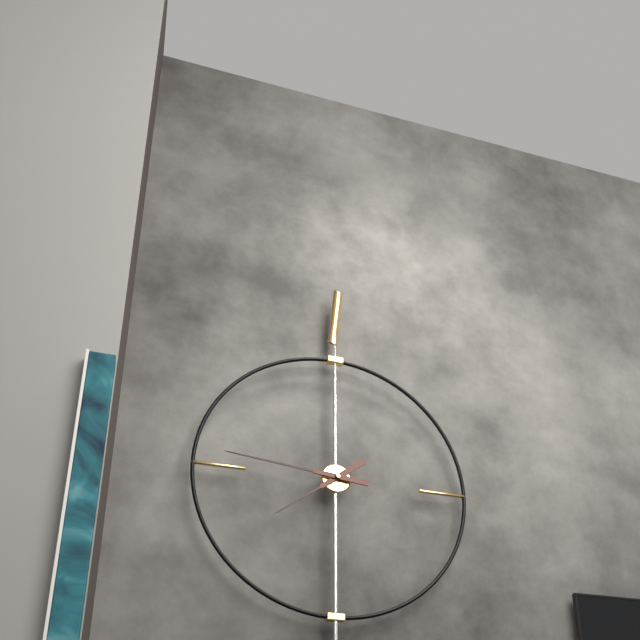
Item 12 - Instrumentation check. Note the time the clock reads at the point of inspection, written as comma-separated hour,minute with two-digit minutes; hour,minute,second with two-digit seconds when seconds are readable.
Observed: 7,46
